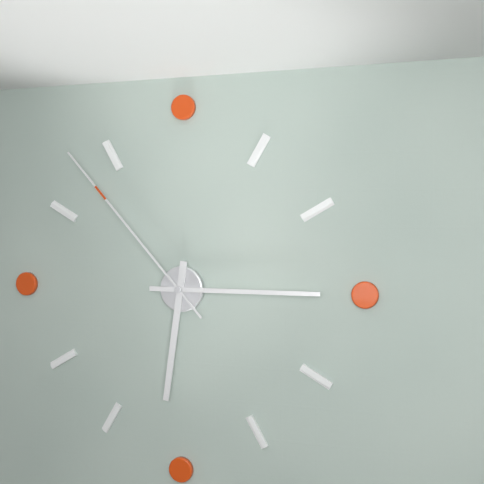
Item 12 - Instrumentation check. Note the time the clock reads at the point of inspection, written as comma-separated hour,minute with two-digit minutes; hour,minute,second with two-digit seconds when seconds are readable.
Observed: 6,15,53
